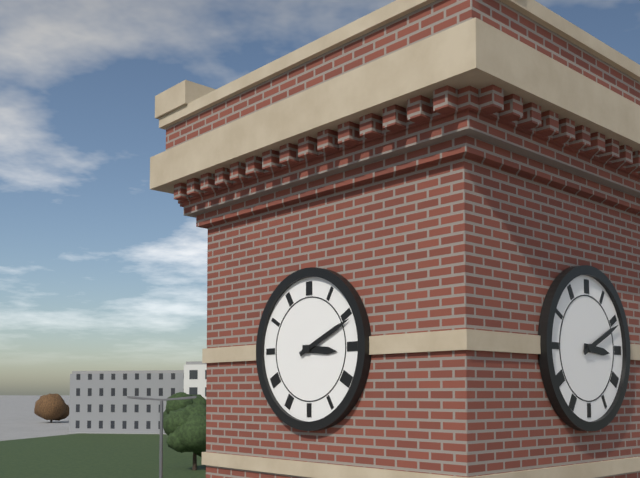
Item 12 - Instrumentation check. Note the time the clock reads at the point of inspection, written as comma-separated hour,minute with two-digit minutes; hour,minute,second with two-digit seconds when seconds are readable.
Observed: 3,11
